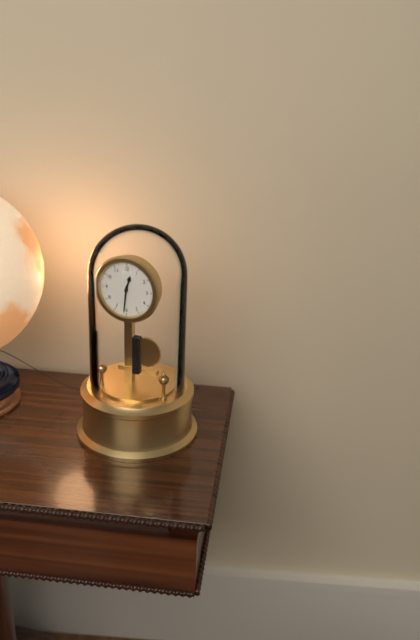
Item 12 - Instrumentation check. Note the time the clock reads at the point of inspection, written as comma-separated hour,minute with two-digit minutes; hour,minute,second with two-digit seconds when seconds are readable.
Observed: 12,31
